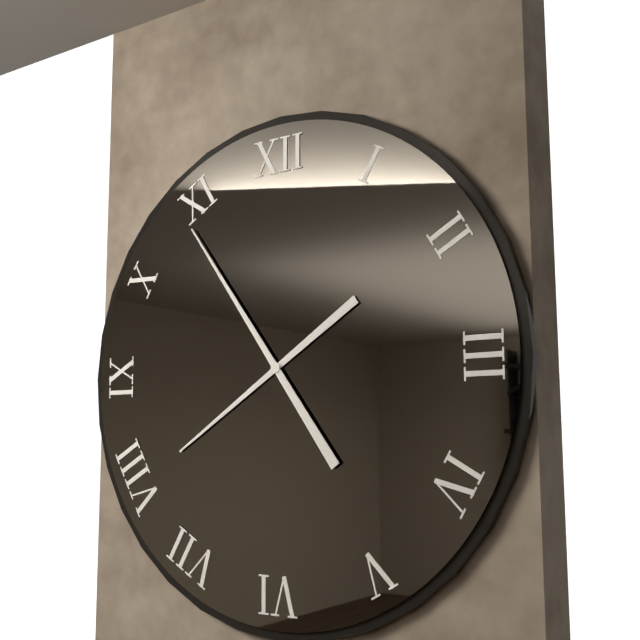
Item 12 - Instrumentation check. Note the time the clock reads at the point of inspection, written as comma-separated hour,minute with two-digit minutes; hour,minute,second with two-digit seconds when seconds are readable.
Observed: 7,54
